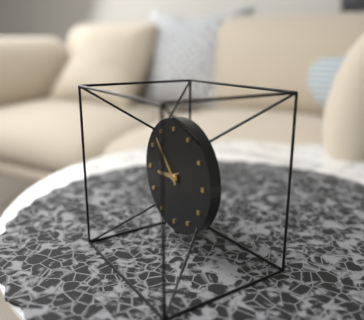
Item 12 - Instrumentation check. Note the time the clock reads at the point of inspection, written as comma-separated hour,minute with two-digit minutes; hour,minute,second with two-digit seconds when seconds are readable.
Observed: 8,53
